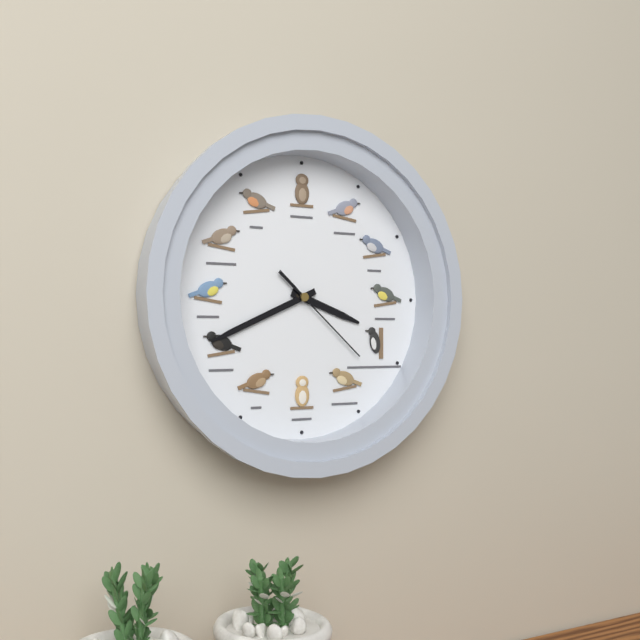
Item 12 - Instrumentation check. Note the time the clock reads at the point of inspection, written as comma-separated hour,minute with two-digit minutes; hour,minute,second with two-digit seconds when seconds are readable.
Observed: 3,41,22
